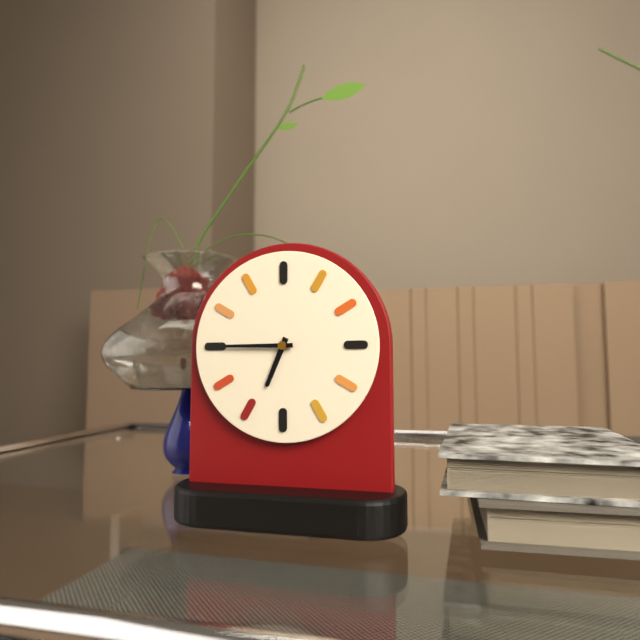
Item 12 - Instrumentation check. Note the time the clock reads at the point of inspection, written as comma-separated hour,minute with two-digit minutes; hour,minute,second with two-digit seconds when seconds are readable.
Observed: 6,45
